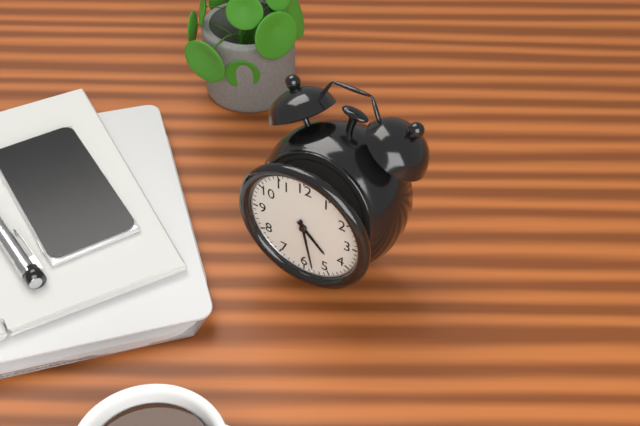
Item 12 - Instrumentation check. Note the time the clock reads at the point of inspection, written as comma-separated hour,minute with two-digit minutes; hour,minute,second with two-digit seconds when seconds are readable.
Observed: 4,28
